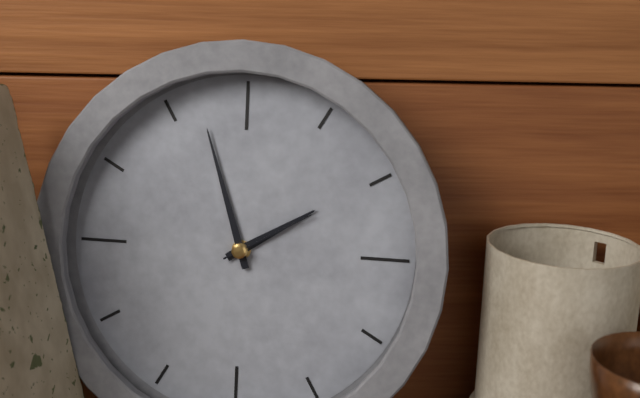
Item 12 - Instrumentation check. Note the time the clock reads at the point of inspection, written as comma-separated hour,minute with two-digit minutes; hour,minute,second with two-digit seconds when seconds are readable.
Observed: 1,57,10
